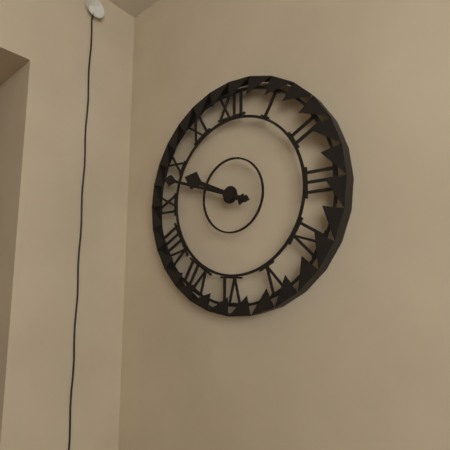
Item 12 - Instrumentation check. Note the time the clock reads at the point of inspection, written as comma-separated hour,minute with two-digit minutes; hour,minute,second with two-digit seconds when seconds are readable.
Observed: 9,48
